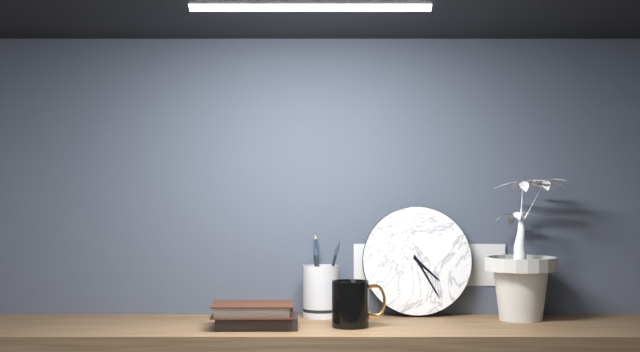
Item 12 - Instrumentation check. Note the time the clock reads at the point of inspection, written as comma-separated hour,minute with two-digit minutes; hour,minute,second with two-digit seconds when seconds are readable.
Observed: 4,25
